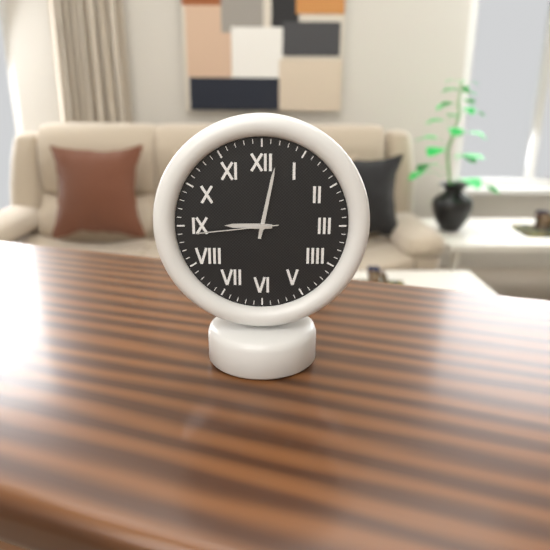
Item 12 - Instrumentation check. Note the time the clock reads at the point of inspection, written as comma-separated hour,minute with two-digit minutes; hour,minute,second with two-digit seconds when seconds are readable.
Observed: 9,02,44
